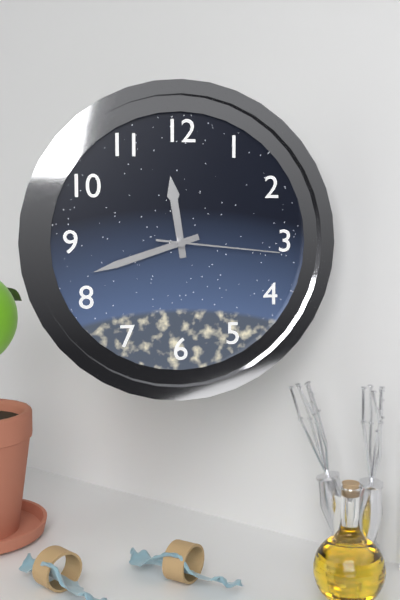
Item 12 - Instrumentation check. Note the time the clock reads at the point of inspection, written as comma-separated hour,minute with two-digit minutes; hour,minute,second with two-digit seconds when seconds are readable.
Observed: 11,42,16
